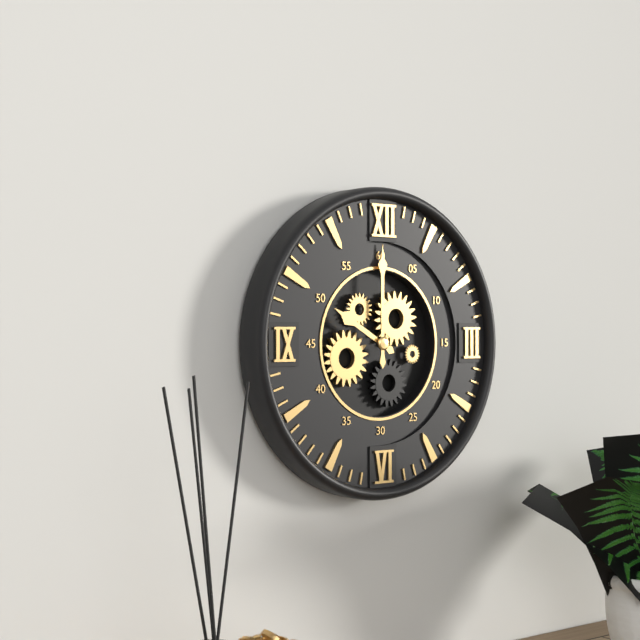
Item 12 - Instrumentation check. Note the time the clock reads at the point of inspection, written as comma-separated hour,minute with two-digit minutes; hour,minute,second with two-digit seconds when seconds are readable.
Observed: 10,00
